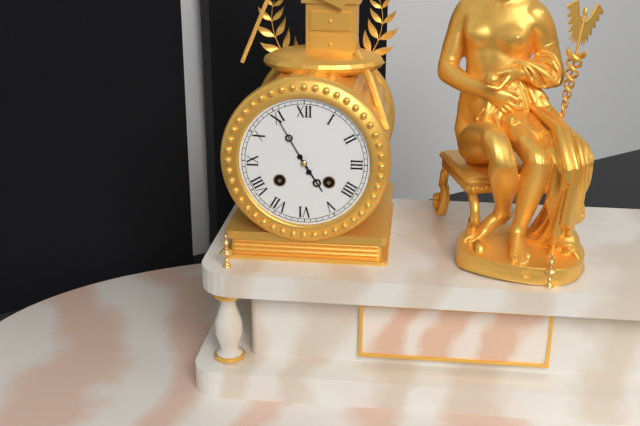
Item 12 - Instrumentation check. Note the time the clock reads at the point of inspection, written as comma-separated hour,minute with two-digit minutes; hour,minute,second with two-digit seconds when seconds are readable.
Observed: 4,55
